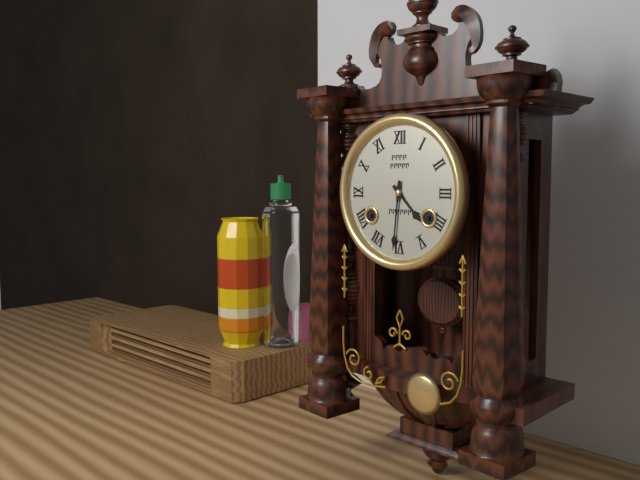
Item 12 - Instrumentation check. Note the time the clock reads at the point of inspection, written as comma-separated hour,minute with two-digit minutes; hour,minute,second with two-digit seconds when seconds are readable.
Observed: 4,31
